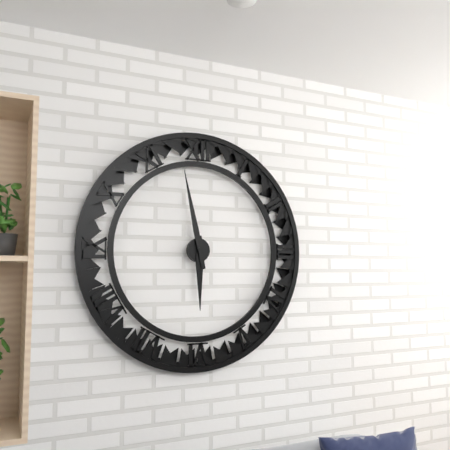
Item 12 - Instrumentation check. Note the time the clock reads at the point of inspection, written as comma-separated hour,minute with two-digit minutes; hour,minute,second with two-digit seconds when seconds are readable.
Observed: 5,58
